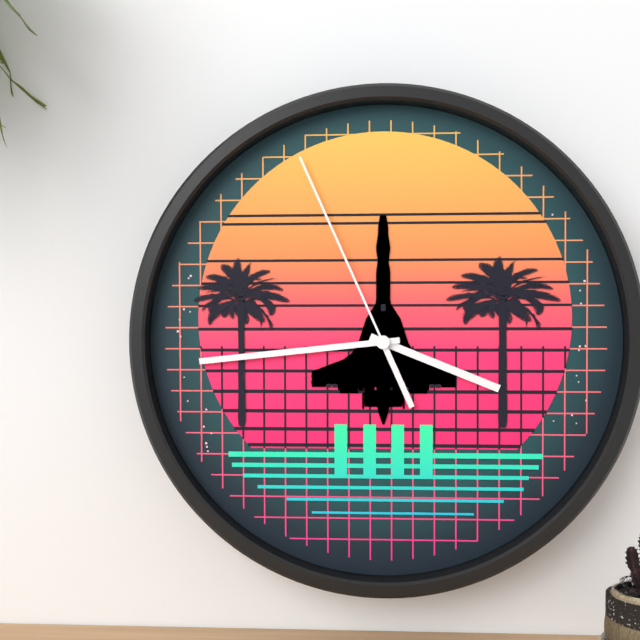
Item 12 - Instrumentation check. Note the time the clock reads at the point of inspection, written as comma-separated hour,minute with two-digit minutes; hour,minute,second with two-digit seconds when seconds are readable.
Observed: 3,44,56
